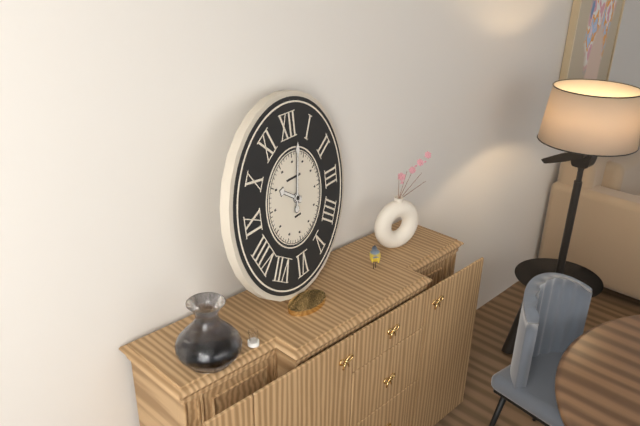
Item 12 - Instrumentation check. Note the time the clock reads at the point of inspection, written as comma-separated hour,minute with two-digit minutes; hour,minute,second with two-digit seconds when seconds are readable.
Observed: 10,02
